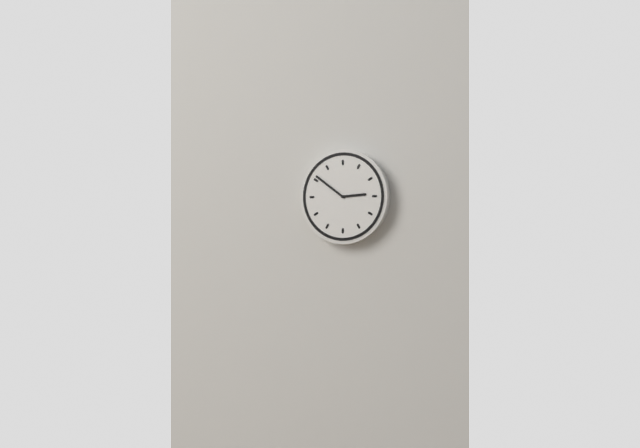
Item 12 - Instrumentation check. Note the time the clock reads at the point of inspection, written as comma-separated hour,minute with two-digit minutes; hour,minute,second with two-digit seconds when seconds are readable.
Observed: 2,51
